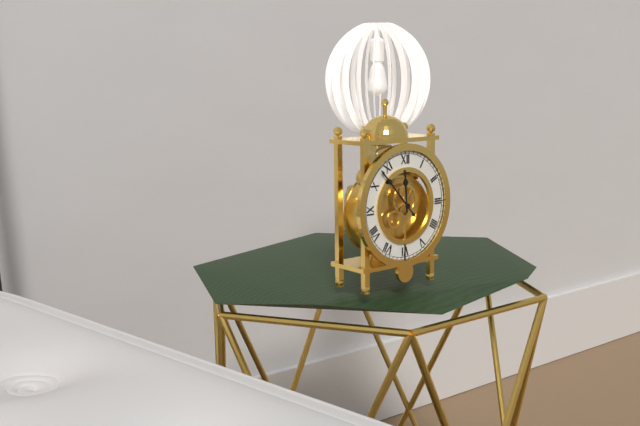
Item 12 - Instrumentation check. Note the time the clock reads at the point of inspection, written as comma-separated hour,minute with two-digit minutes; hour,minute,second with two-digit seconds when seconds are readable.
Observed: 11,53
